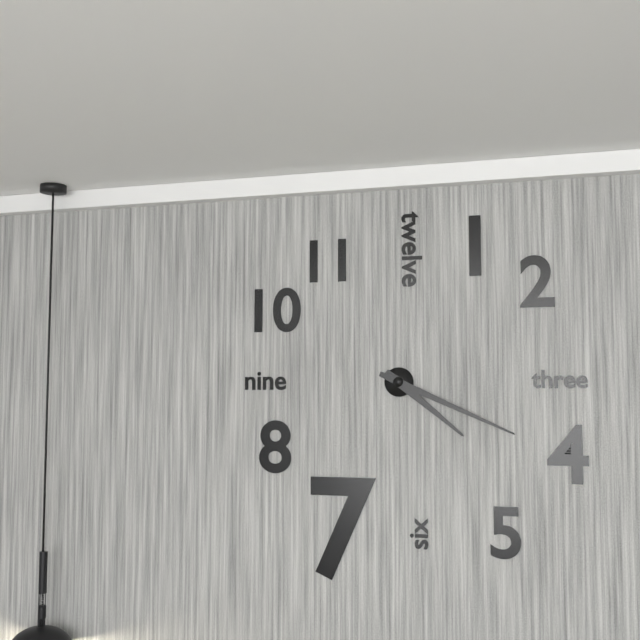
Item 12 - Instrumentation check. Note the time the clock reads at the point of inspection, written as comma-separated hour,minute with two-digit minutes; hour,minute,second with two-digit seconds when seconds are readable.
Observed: 4,19
